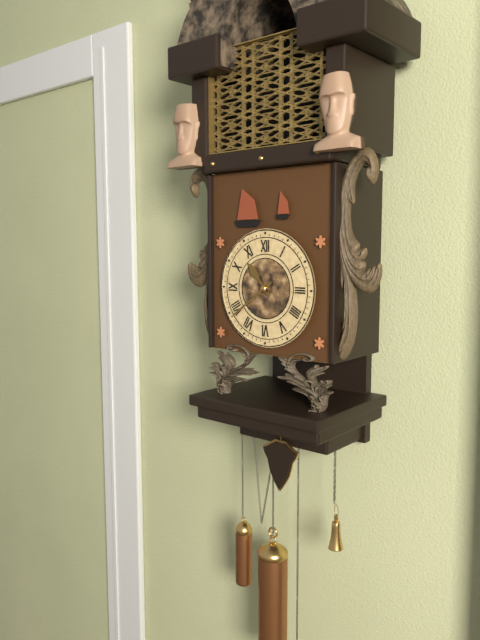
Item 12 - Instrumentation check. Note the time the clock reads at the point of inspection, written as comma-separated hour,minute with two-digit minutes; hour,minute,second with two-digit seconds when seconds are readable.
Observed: 10,39
